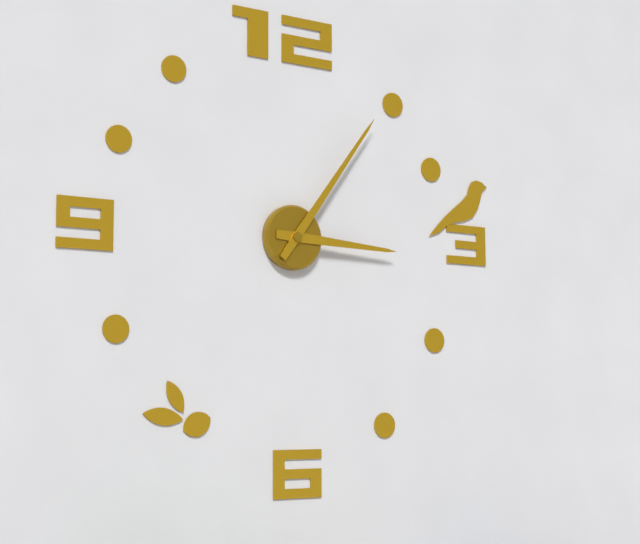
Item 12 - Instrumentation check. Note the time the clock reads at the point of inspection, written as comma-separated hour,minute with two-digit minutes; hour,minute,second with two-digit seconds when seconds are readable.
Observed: 3,06
